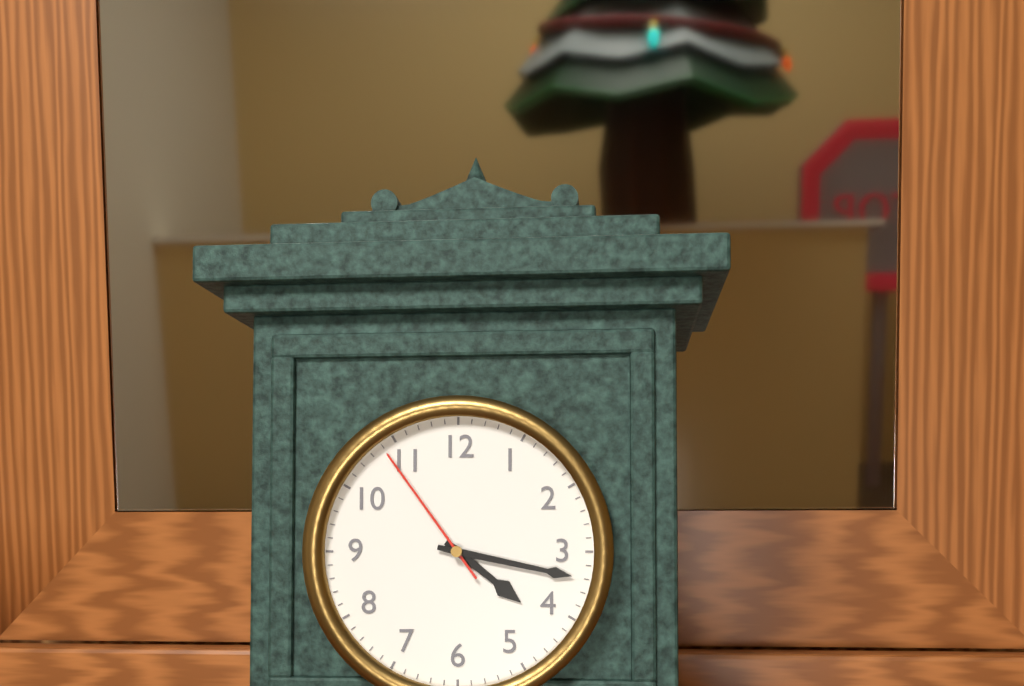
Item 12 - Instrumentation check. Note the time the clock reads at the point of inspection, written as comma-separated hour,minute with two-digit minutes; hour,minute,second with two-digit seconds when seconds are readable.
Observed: 4,17,54
